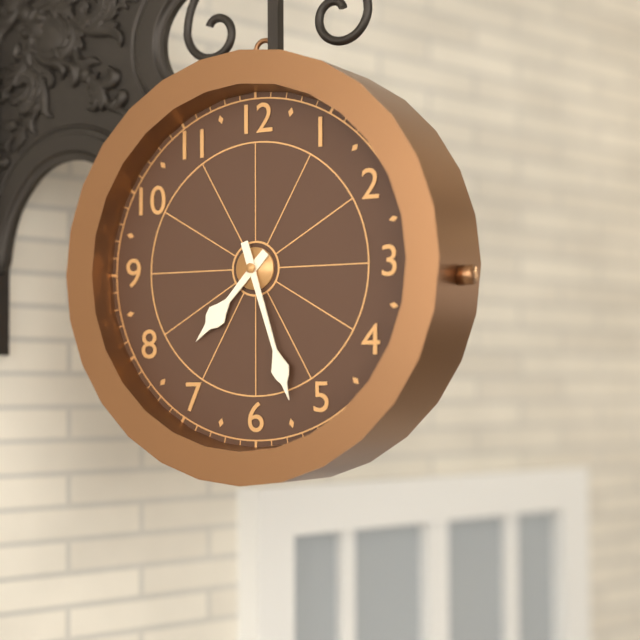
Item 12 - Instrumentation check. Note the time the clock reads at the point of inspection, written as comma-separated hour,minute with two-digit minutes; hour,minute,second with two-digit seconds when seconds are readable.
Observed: 7,27
